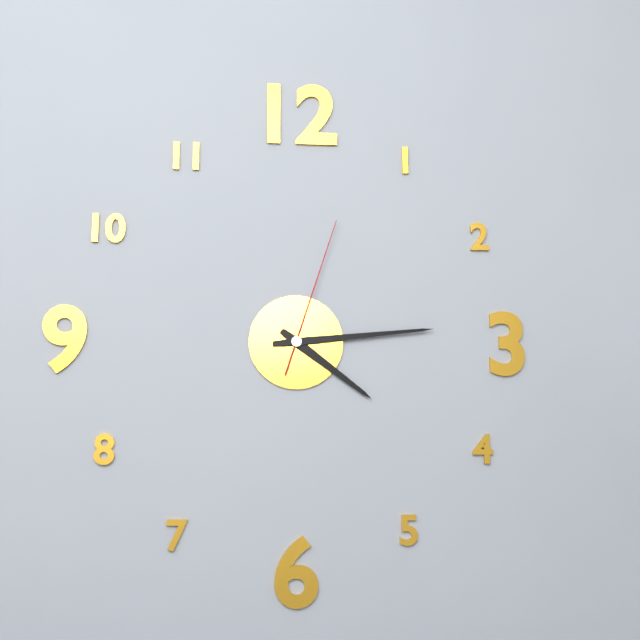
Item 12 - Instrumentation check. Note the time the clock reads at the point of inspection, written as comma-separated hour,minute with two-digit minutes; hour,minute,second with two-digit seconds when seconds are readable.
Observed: 4,14,03
